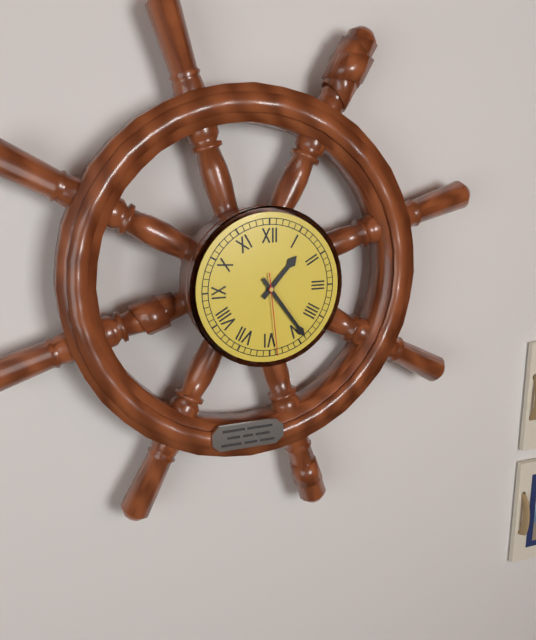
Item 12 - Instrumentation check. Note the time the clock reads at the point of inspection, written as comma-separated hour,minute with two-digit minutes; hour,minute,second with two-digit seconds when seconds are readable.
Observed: 1,24,29
